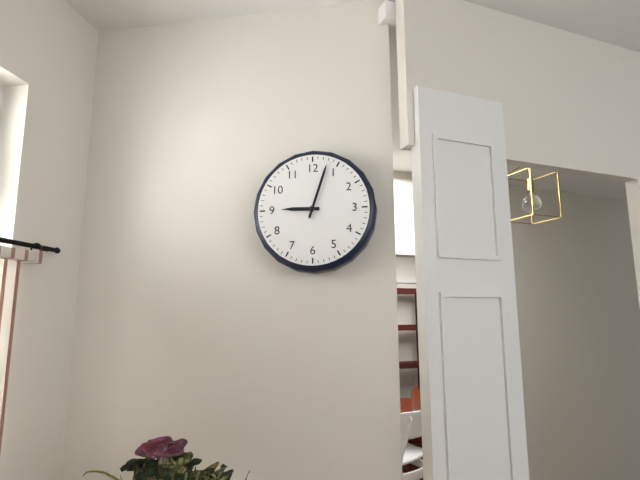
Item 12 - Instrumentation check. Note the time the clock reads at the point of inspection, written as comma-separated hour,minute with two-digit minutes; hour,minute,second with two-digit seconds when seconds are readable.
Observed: 9,03
